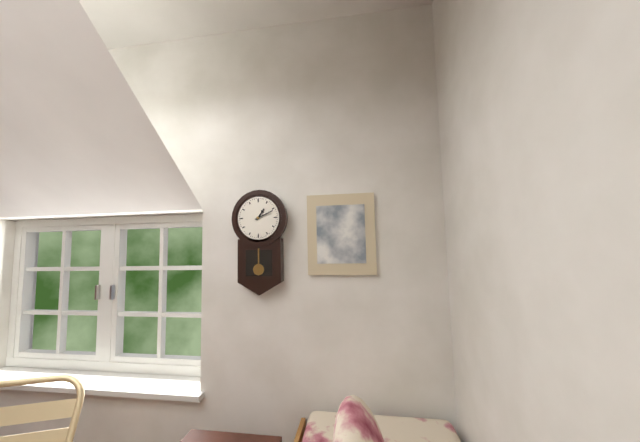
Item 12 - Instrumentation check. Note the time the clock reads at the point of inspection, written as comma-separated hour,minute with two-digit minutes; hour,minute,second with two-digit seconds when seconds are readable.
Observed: 1,11
